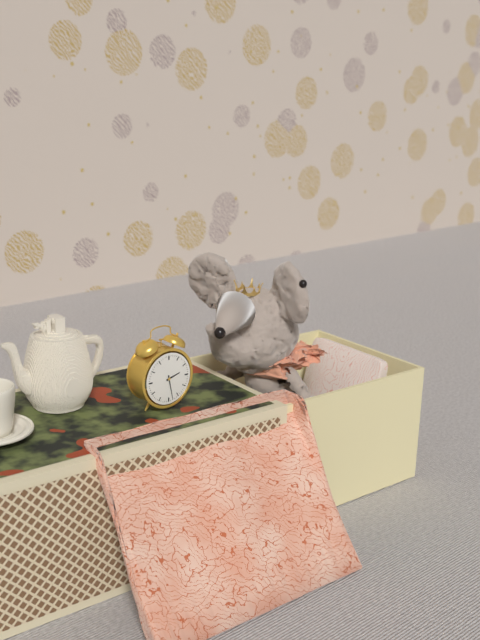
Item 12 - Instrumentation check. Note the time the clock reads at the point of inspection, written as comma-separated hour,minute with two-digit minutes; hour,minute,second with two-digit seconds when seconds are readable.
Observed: 2,28
